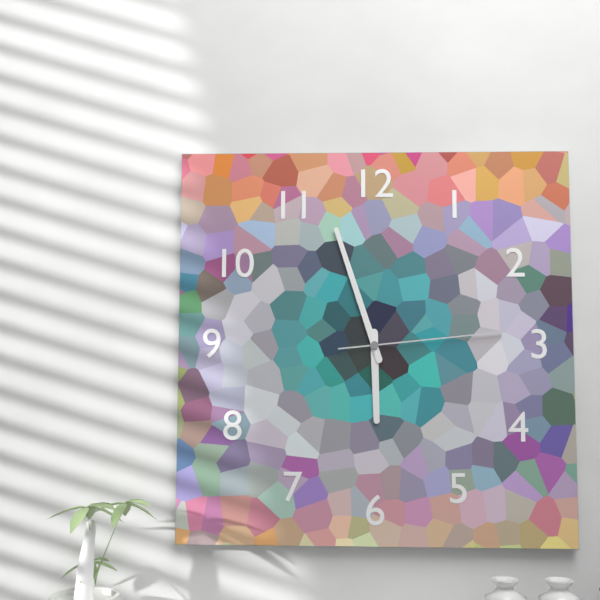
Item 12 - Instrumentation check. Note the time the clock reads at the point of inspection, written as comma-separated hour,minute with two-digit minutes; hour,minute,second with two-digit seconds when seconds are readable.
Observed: 5,57,14
